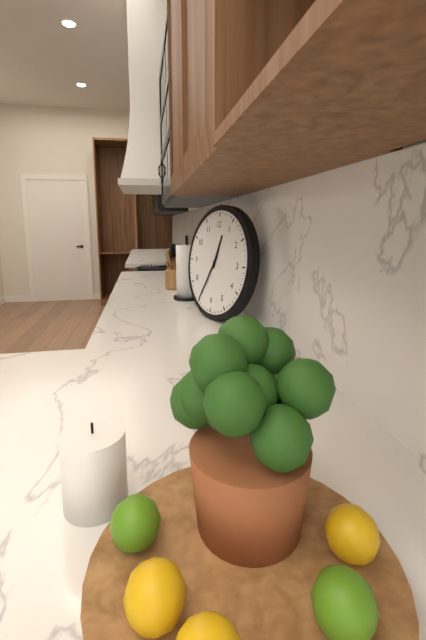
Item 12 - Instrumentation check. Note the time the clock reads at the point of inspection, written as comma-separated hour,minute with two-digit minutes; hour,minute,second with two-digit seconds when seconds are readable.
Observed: 12,35
